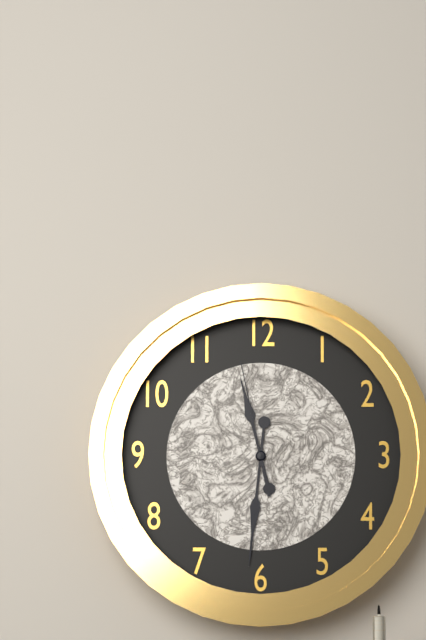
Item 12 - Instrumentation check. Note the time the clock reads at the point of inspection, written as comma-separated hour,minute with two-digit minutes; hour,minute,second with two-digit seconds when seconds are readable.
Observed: 11,31,58
